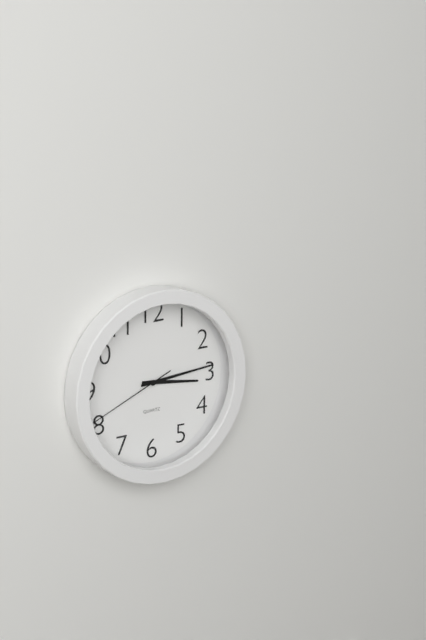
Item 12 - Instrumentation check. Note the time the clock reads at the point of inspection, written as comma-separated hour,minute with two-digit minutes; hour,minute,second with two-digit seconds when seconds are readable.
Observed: 3,14,41
